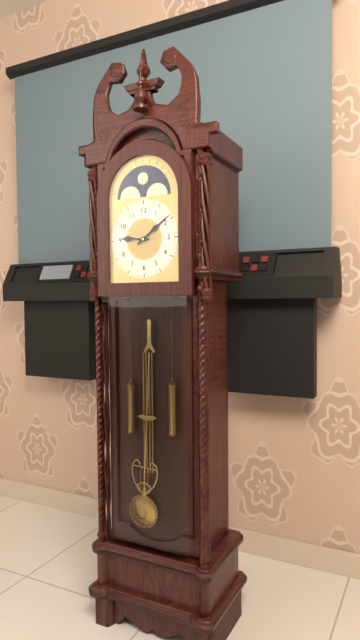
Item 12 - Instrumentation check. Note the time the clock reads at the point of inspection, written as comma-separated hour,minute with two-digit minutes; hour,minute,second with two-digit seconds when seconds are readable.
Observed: 9,09
